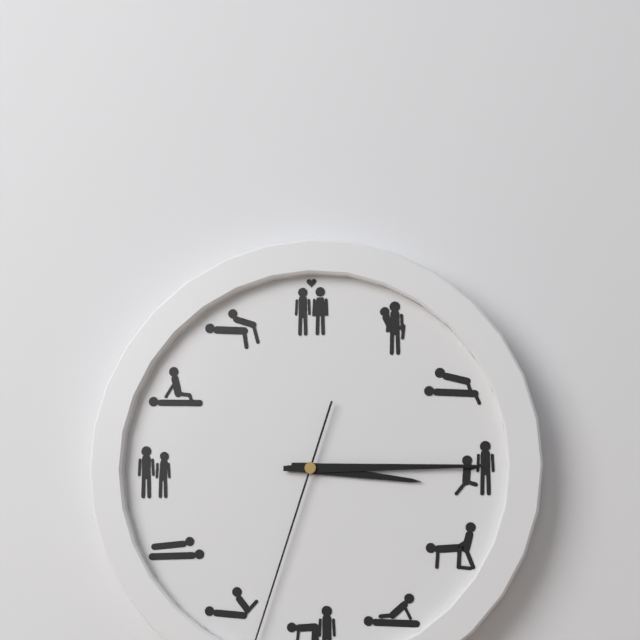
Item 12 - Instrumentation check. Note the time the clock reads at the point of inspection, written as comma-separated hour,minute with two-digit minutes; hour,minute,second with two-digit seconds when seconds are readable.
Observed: 3,15
